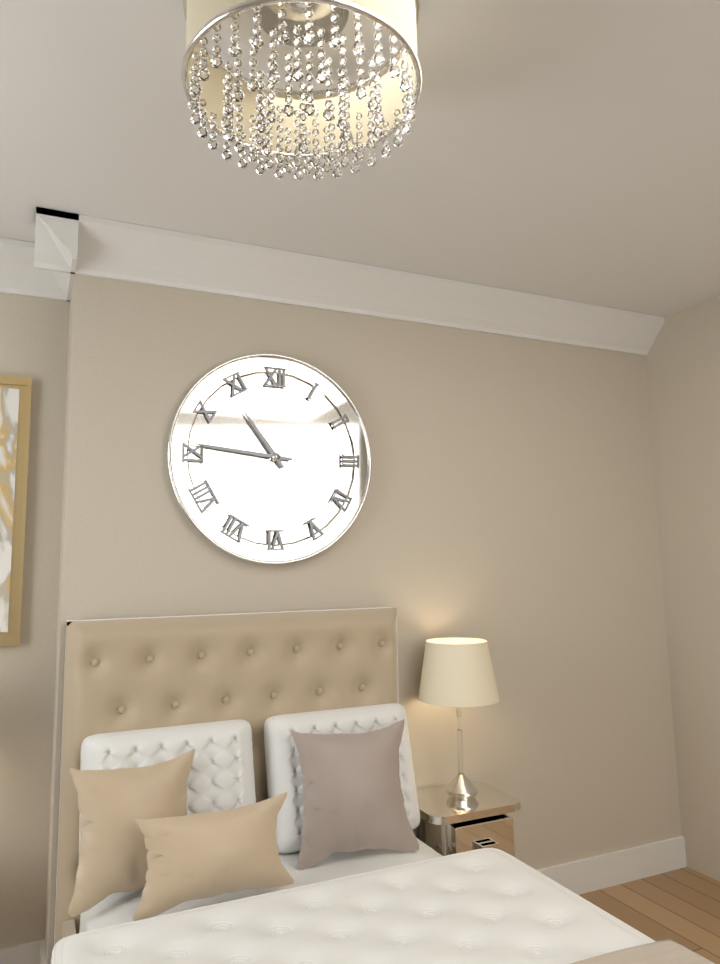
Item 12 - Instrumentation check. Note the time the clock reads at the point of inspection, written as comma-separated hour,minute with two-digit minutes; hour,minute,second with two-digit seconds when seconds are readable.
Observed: 10,46
